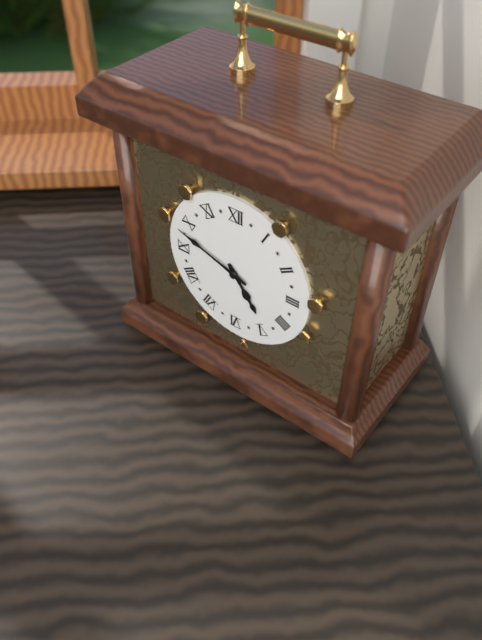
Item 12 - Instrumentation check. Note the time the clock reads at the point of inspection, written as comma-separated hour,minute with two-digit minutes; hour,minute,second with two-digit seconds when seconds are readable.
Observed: 4,48
